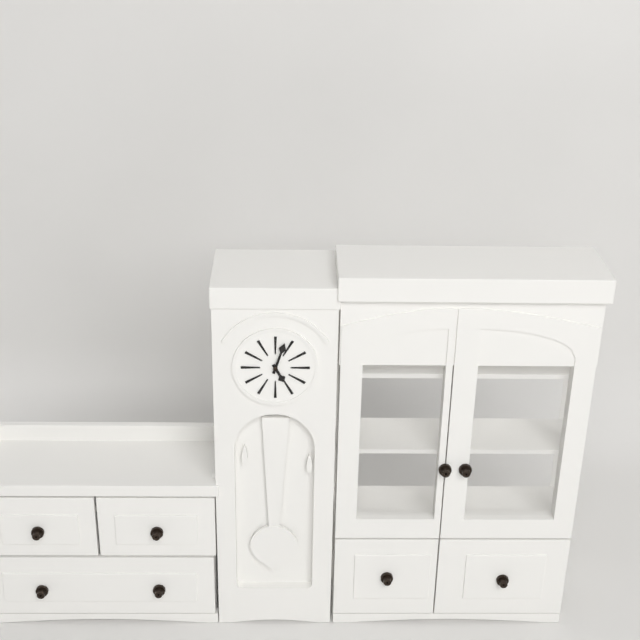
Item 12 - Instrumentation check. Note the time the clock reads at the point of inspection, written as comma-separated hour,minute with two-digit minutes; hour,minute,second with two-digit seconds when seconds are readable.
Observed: 5,03
